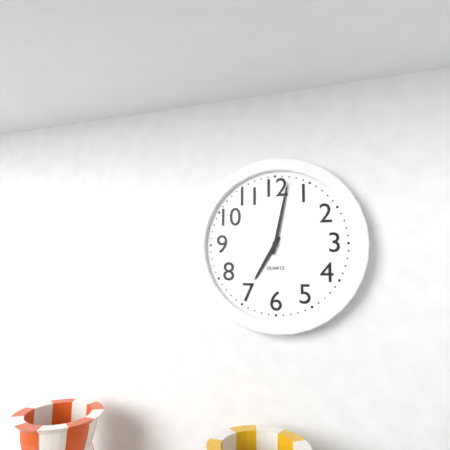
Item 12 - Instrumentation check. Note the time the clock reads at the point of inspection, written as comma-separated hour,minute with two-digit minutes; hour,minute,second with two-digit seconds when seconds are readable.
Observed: 7,02
